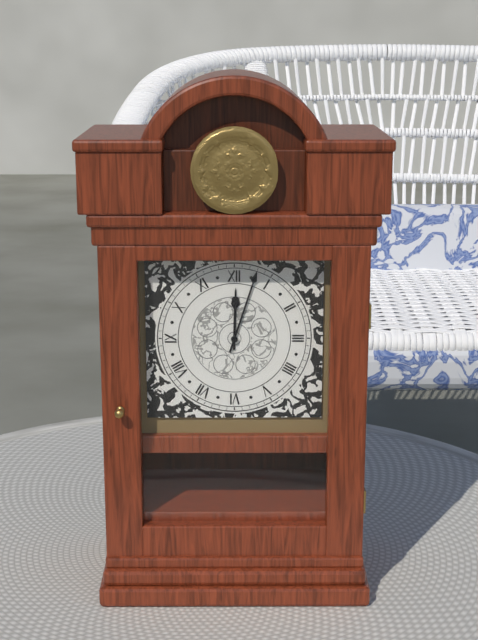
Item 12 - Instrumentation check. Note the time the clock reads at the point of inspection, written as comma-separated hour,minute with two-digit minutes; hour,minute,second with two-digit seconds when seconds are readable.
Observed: 12,03
